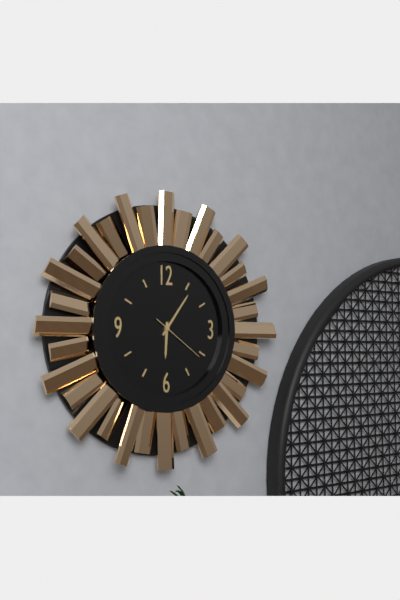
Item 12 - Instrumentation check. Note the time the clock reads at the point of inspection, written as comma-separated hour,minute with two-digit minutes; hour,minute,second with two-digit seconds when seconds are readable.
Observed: 6,06,21
